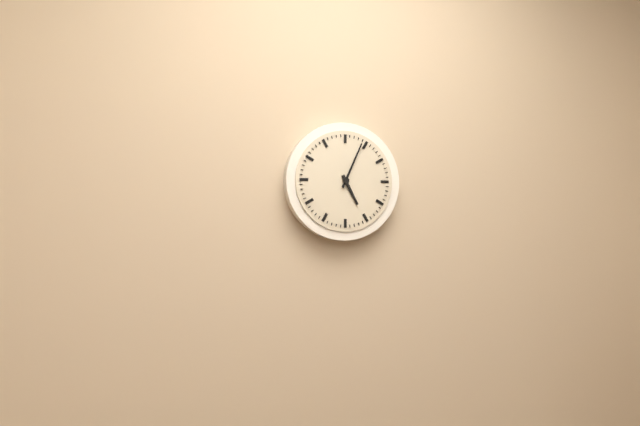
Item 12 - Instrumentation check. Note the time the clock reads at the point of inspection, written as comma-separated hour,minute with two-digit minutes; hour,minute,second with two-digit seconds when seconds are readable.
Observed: 5,04
